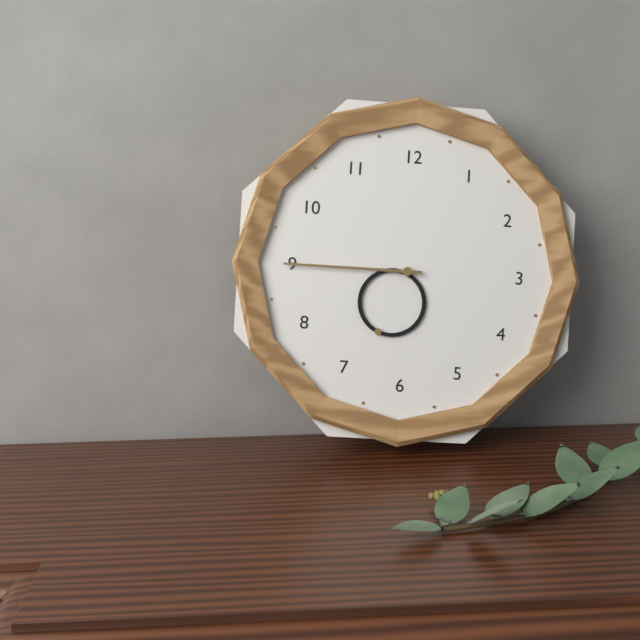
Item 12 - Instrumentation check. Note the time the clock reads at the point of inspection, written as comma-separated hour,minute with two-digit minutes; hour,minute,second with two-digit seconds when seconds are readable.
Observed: 6,45
